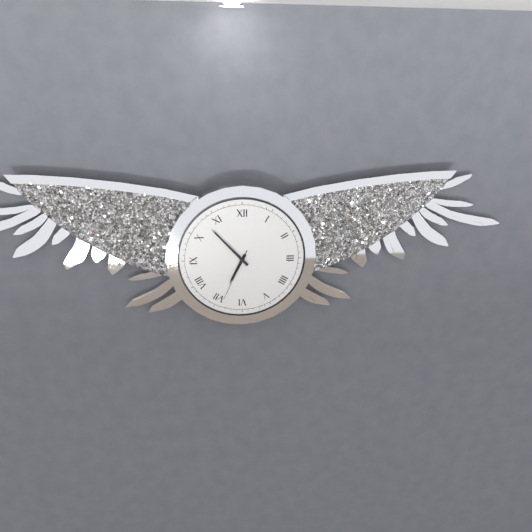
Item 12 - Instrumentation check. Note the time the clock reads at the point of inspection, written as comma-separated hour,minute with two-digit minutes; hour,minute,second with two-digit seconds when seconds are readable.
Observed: 6,53,34
